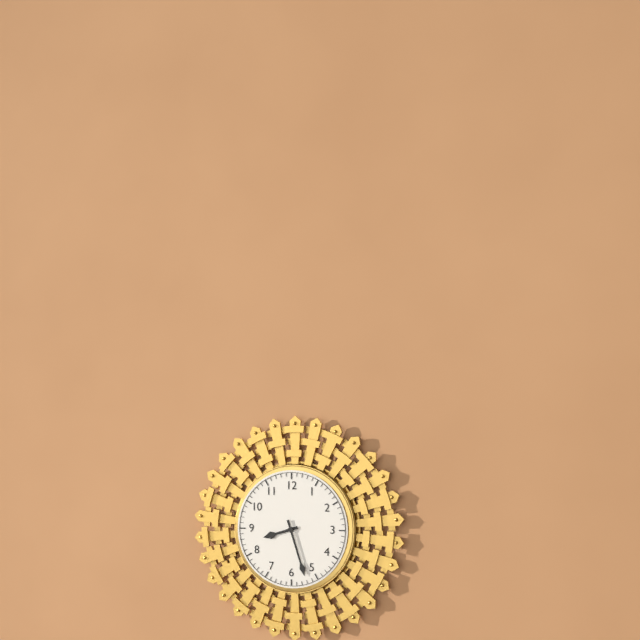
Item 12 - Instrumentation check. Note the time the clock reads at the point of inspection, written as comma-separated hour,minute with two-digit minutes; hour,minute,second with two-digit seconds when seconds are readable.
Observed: 8,27
